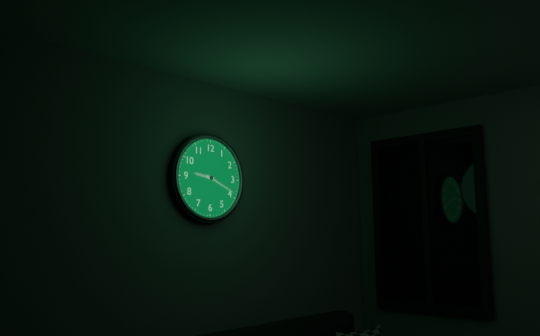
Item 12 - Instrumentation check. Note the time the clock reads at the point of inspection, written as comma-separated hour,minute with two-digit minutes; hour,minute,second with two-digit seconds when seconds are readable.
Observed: 9,19
